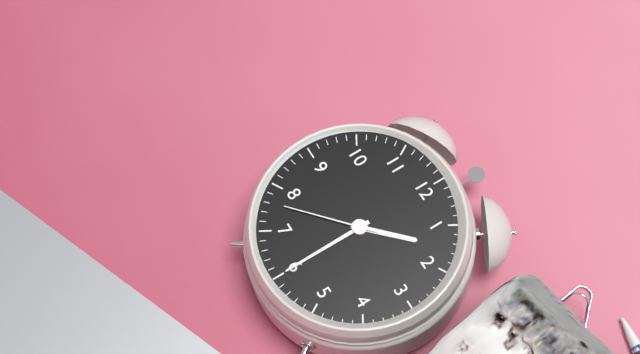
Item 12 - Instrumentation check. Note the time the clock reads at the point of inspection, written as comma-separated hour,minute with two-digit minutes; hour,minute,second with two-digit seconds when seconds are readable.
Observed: 1,30,38
